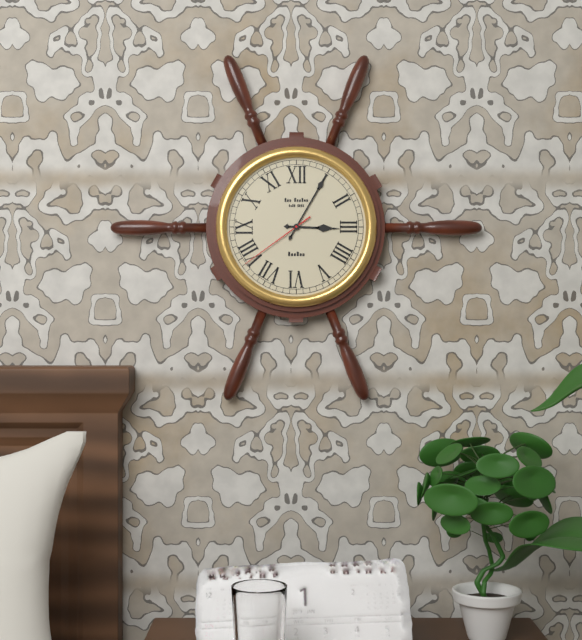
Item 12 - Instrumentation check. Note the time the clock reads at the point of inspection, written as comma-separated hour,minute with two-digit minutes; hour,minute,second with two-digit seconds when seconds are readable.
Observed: 3,05,39
